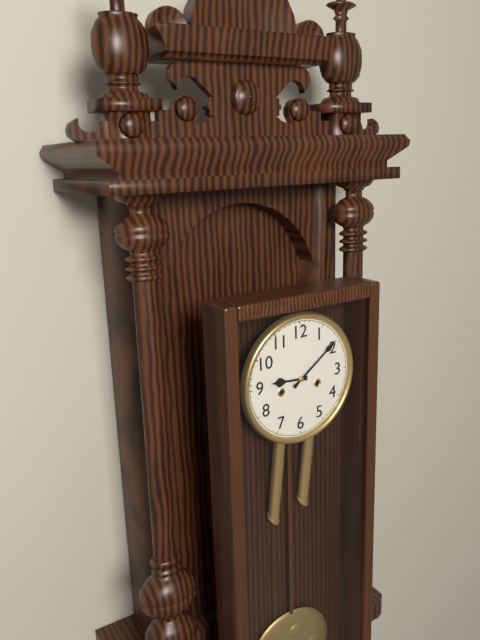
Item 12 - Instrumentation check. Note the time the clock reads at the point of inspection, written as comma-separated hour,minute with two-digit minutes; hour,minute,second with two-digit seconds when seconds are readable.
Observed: 9,09
